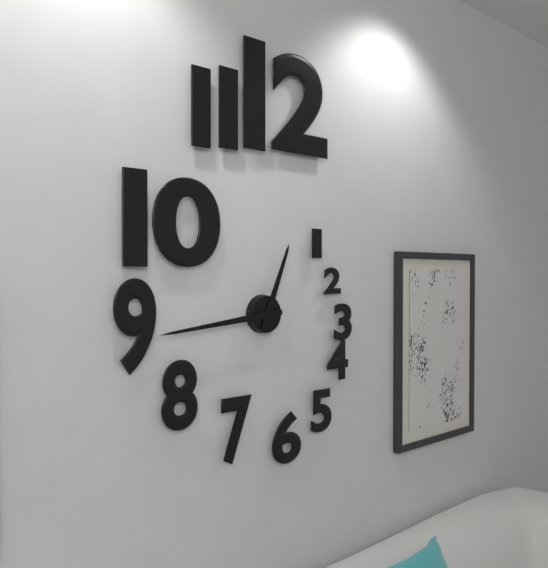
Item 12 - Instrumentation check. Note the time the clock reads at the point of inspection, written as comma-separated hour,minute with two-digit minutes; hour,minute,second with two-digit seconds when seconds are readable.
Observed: 12,44
